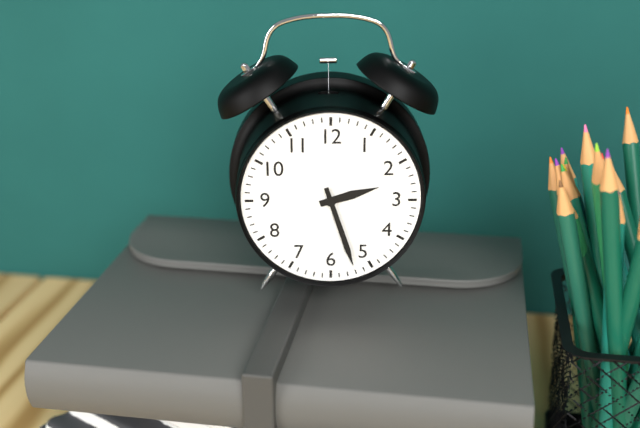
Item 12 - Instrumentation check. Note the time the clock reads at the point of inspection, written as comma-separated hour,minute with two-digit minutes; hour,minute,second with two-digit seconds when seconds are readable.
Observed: 2,27
